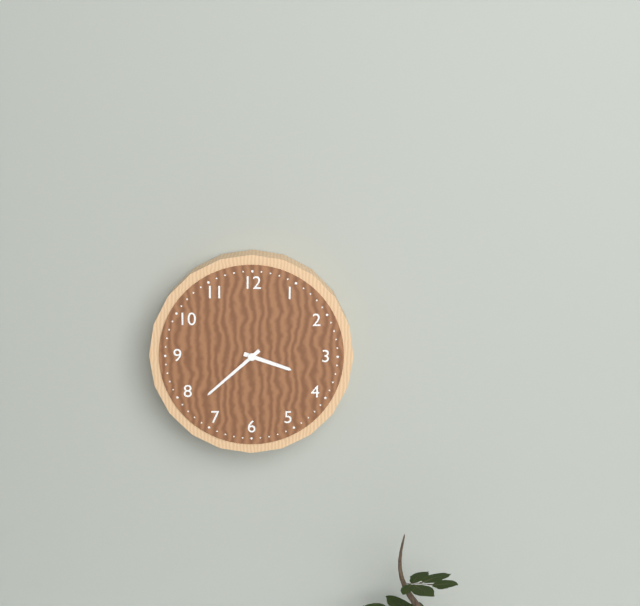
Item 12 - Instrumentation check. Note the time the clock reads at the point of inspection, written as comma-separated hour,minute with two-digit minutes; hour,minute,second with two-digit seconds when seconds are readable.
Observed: 3,38
